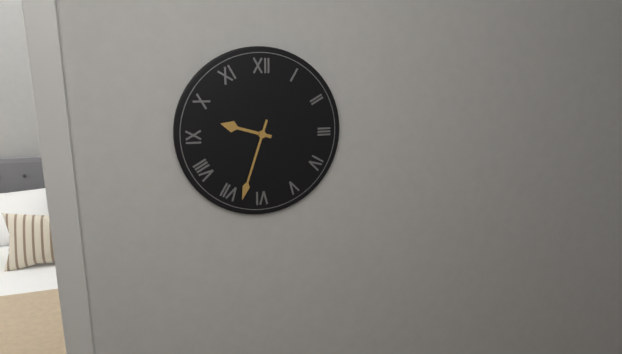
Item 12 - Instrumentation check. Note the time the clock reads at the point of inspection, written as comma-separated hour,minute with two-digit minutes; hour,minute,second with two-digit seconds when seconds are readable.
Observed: 9,33
